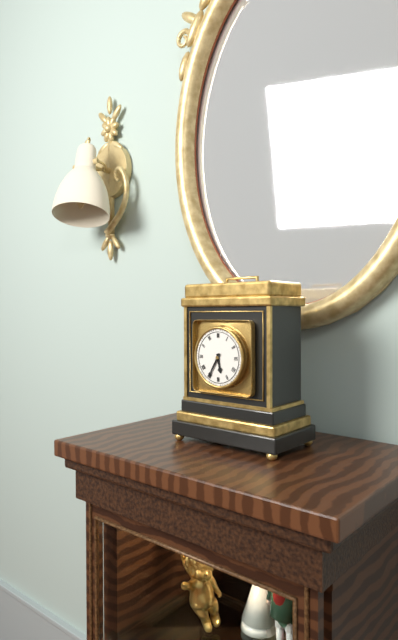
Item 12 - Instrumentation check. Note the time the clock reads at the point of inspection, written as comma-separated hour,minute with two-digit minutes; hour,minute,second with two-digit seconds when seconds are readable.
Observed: 5,35
